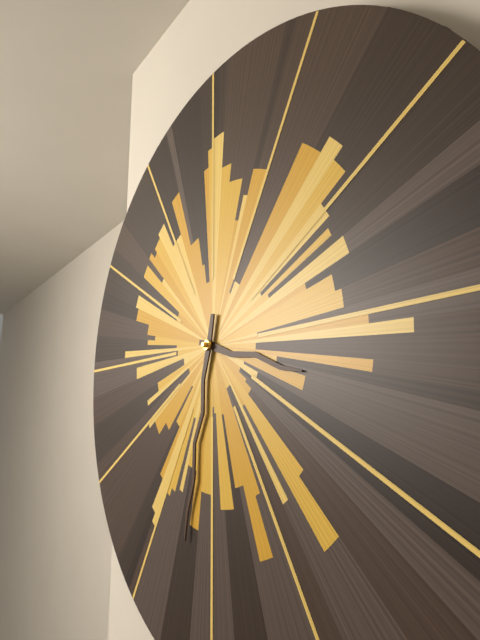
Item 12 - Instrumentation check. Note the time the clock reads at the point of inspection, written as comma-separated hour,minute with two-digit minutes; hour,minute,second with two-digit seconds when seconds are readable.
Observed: 3,32
